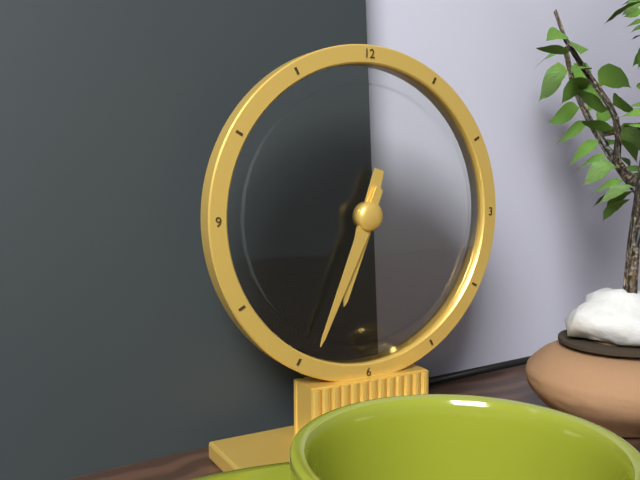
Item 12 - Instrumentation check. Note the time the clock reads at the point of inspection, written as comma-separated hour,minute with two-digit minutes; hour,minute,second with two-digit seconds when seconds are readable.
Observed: 6,34
